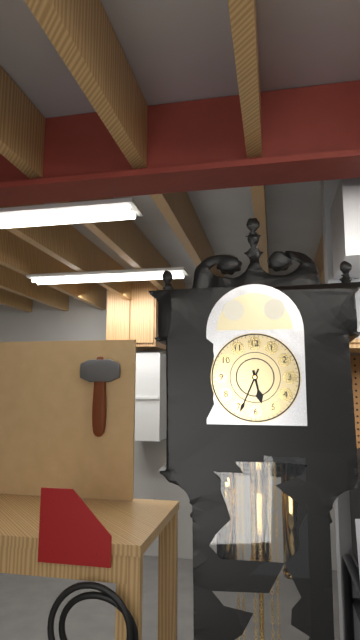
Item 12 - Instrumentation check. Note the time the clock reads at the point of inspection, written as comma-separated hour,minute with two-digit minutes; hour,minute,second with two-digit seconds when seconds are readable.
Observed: 5,34
